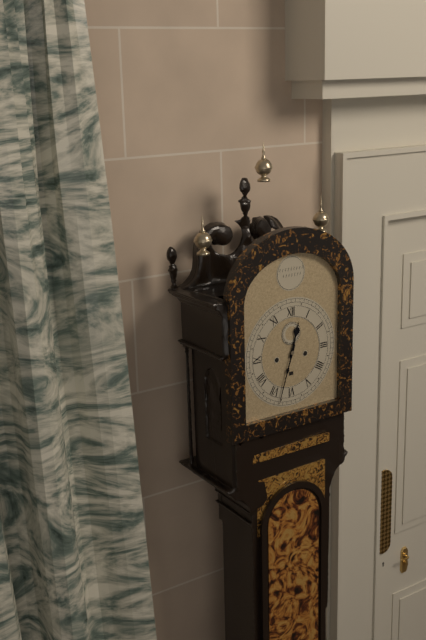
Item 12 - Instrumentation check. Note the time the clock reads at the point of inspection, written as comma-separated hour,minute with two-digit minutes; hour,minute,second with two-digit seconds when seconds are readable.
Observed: 12,33
